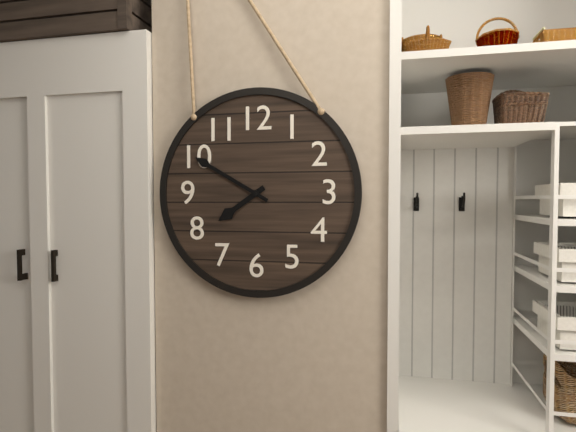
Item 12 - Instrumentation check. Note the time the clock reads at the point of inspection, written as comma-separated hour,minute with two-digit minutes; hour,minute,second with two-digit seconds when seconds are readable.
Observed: 7,50
